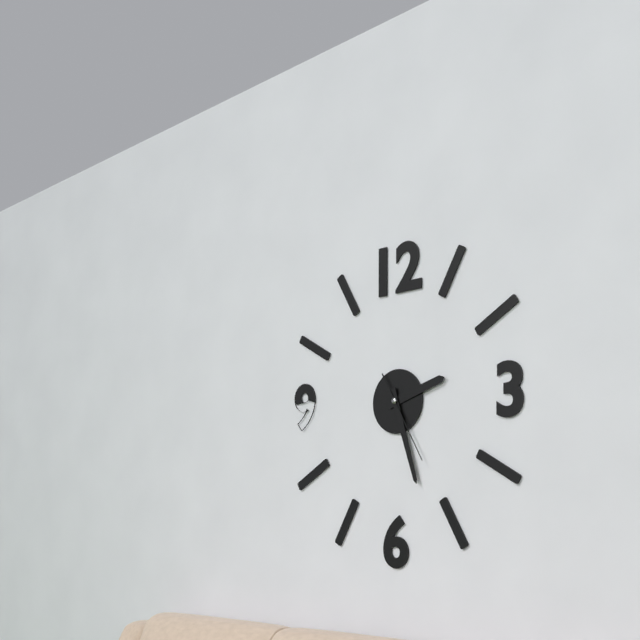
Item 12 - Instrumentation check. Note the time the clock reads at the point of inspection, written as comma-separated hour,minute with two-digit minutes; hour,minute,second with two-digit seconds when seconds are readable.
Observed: 2,27,25
